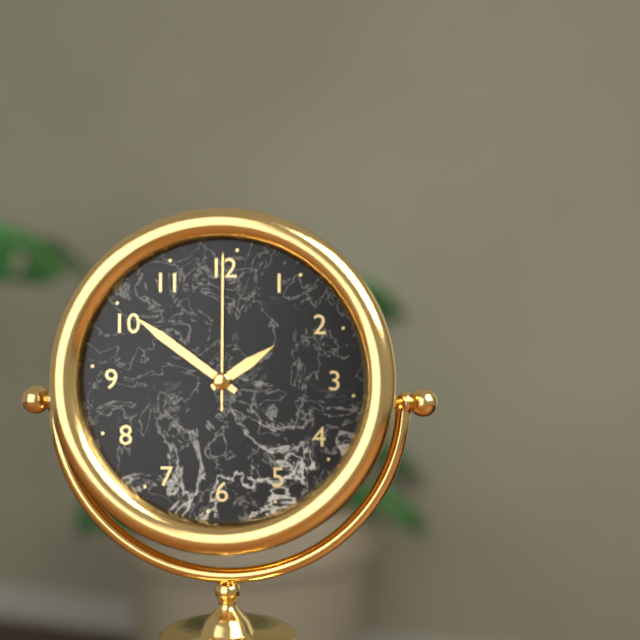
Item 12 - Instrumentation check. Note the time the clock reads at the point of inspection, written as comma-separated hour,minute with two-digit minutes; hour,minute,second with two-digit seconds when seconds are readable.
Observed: 1,51,00
